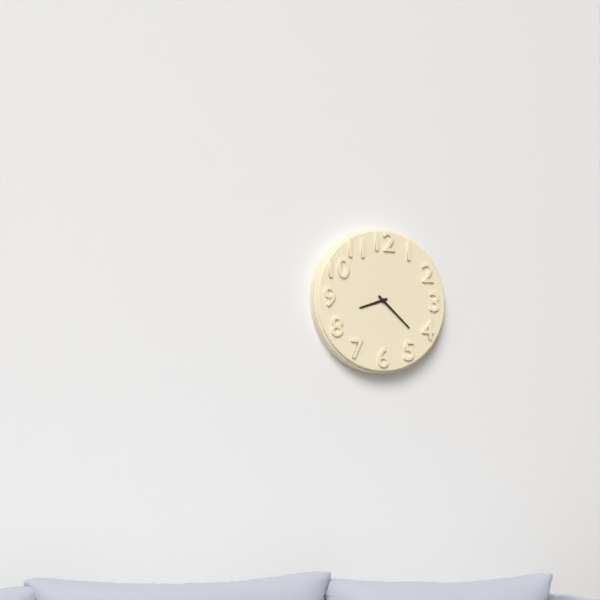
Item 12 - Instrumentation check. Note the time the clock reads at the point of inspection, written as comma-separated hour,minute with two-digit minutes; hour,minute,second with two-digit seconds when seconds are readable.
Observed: 8,22
